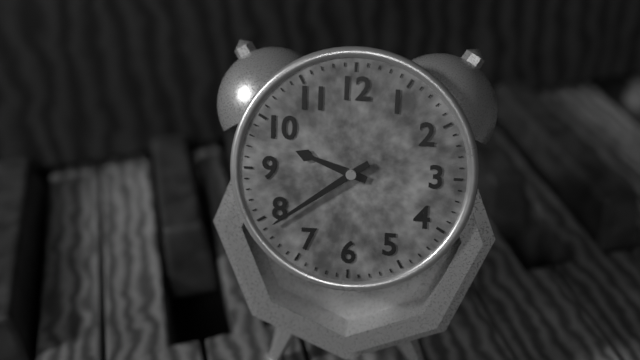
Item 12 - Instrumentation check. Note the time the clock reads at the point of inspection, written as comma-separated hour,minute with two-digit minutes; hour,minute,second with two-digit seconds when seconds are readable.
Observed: 9,39
